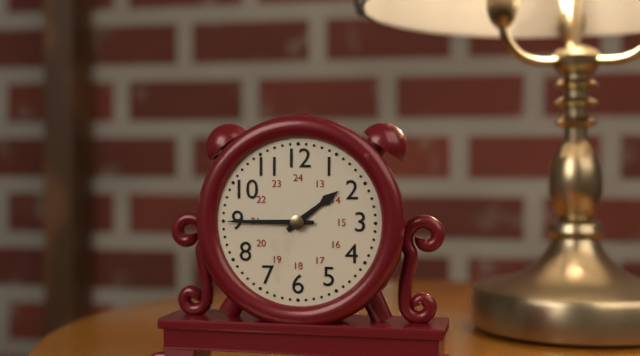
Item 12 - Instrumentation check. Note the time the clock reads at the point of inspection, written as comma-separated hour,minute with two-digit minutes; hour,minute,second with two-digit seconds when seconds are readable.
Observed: 1,45
